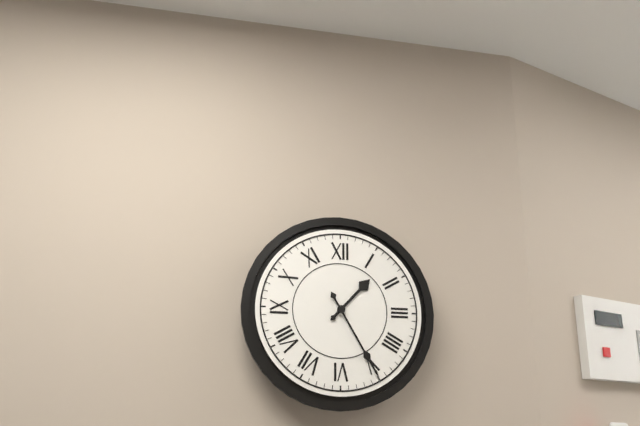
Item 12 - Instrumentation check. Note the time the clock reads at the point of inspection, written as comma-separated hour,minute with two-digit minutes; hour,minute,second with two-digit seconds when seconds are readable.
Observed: 1,25
